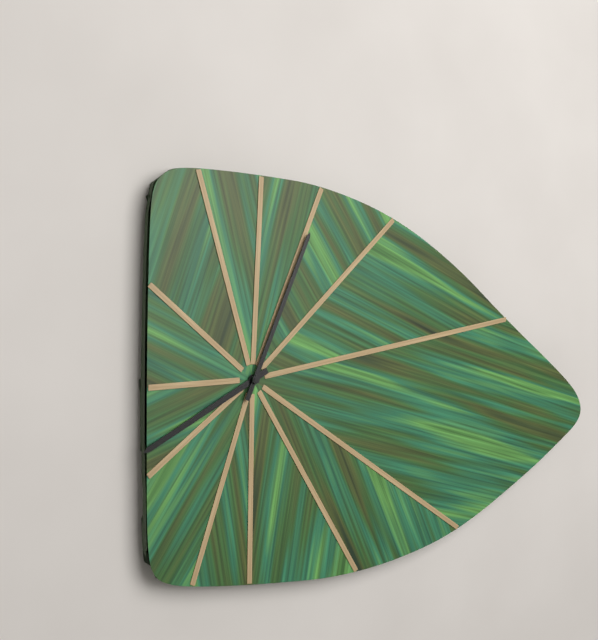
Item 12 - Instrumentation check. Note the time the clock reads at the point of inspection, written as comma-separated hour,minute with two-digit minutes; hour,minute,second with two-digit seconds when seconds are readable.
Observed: 8,04
